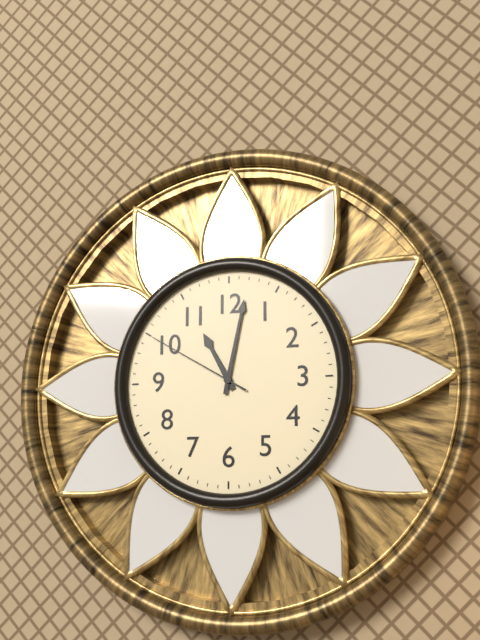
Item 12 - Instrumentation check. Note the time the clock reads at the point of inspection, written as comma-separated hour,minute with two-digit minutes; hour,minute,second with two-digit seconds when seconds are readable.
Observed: 11,02,50
